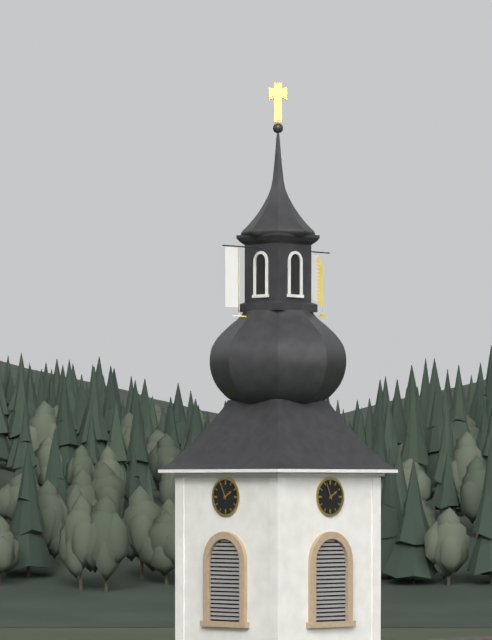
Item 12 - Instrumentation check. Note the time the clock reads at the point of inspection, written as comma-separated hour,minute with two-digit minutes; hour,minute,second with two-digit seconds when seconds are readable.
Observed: 1,56
